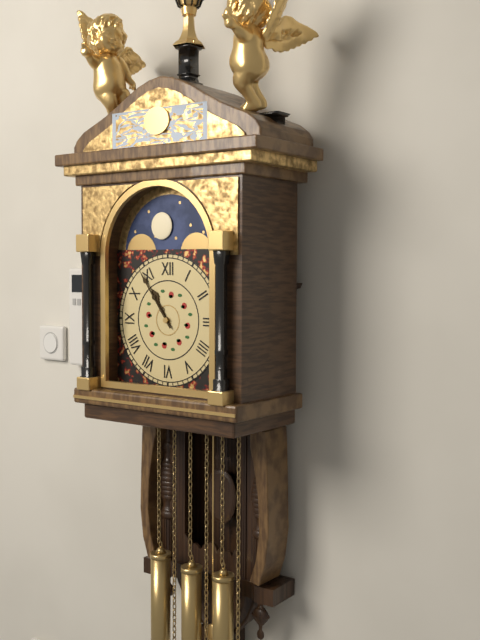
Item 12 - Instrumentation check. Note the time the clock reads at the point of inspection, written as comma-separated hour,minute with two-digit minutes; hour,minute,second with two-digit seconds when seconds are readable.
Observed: 10,54
